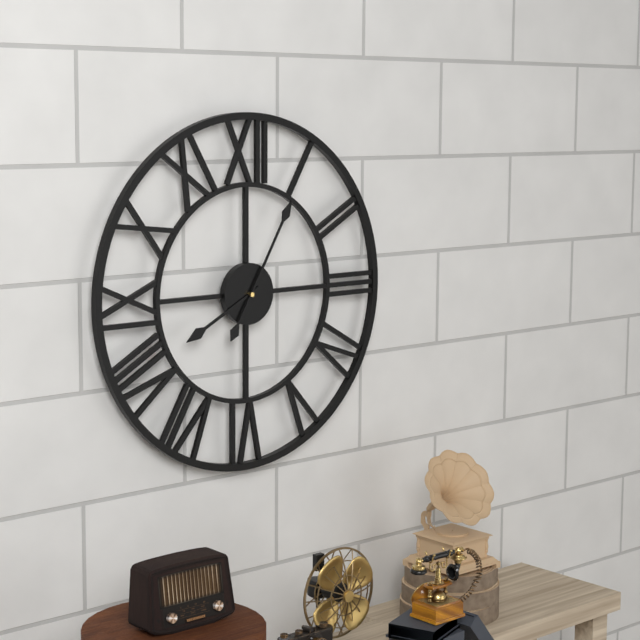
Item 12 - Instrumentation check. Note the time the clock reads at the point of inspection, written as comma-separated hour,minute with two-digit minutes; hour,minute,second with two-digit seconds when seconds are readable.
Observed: 8,05
